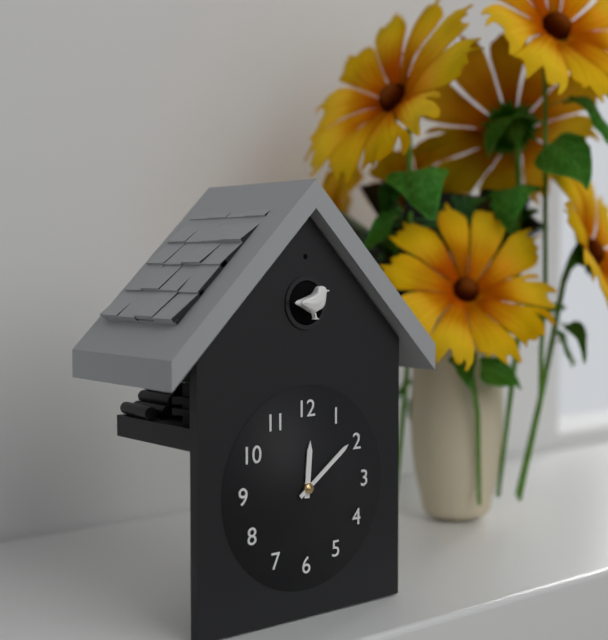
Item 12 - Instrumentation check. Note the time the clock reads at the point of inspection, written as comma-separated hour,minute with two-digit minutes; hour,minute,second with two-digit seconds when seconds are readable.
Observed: 12,09
